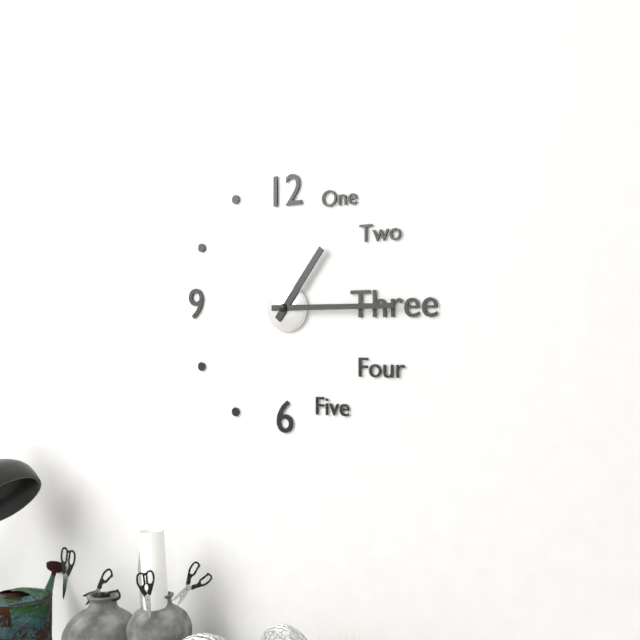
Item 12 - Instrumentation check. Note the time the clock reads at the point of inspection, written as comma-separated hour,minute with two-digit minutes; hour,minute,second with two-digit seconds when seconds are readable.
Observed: 1,15
